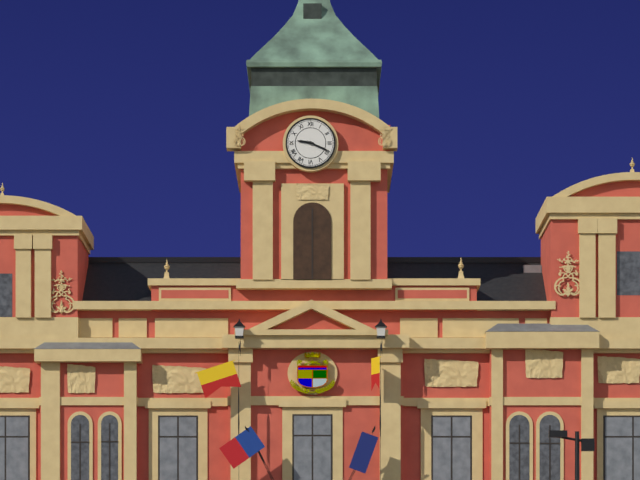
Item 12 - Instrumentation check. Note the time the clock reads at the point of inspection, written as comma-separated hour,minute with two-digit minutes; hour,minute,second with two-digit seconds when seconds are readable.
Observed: 9,19
